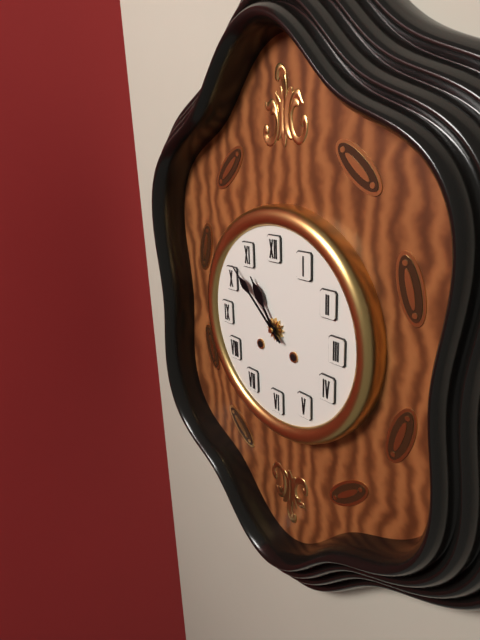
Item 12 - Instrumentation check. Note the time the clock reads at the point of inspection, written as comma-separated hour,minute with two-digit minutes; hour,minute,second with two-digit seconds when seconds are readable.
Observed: 10,52
